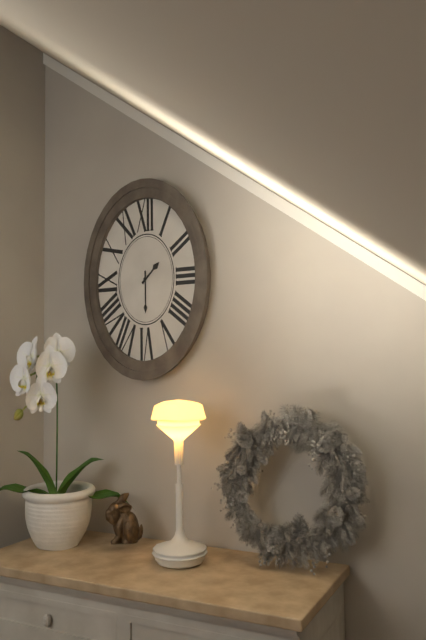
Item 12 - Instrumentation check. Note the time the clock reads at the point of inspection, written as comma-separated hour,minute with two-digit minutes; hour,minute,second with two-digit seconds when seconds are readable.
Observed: 1,30
